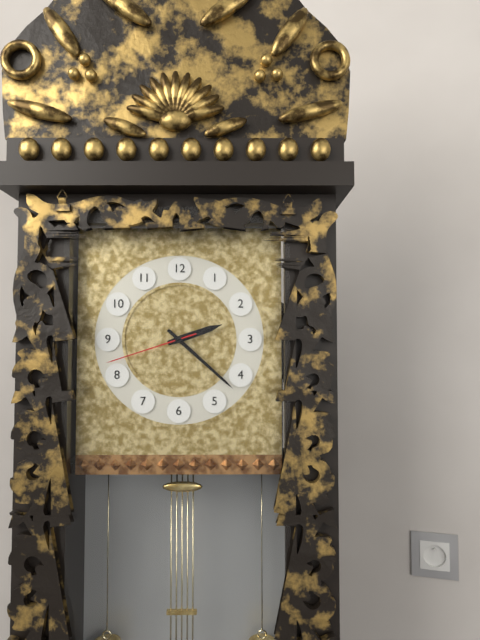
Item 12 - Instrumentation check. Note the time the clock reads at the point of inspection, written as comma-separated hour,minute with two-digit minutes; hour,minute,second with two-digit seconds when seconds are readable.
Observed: 2,22,42
